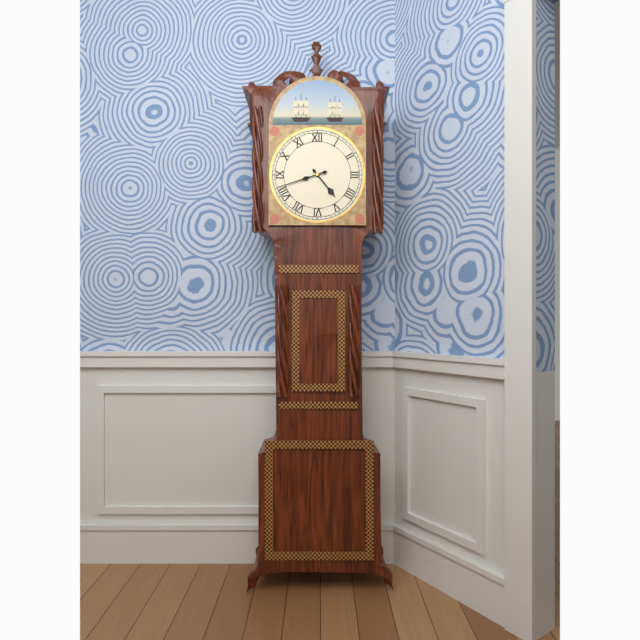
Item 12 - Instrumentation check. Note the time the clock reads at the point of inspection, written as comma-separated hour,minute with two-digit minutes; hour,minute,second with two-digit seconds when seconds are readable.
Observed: 4,42
